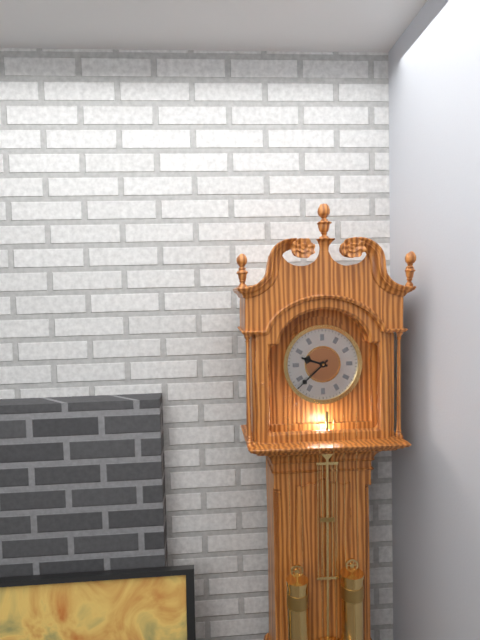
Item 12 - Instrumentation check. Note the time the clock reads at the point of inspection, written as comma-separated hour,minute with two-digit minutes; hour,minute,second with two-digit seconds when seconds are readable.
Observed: 9,38
